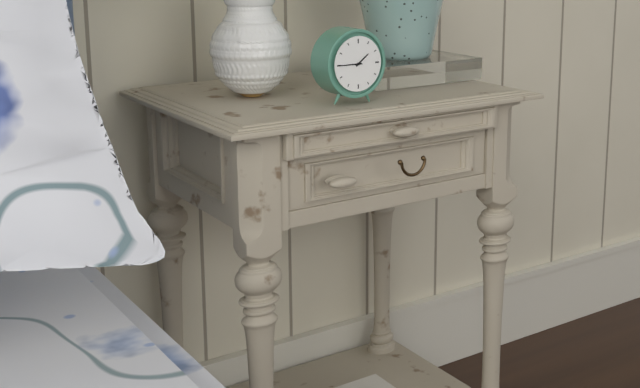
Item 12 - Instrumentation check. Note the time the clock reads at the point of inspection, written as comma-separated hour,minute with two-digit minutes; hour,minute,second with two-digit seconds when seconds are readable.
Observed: 1,45
